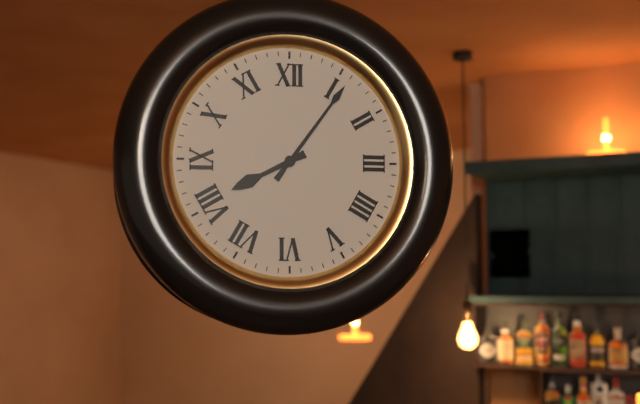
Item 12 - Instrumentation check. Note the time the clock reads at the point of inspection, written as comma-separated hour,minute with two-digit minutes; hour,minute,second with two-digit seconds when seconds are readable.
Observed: 8,06
